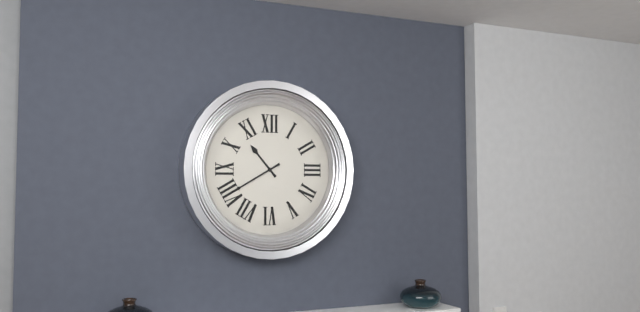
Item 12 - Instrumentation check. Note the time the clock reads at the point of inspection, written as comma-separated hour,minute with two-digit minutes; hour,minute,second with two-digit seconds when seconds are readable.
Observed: 10,40
